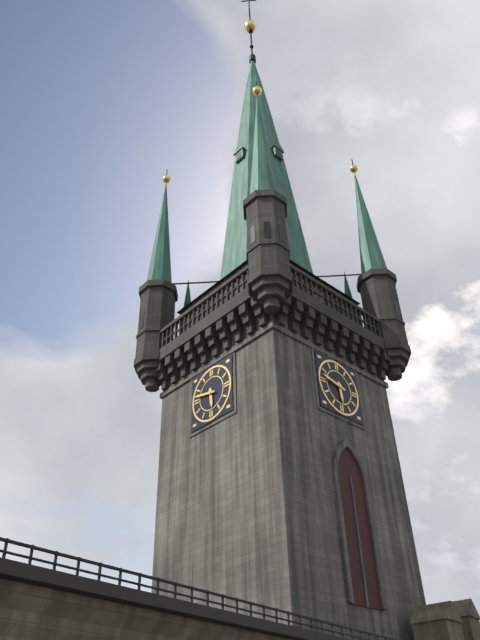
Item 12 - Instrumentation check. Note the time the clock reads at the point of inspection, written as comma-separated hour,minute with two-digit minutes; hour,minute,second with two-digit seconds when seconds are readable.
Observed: 5,47
